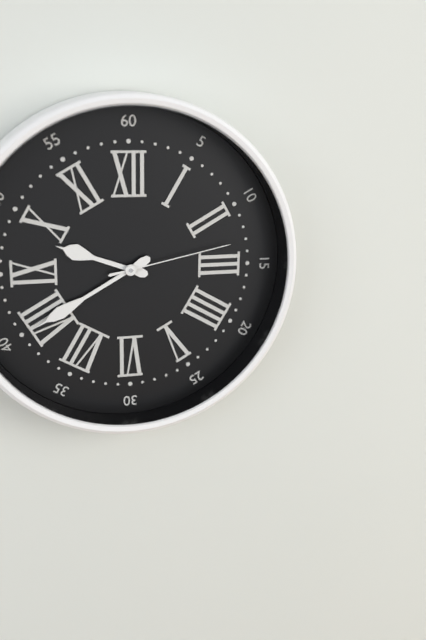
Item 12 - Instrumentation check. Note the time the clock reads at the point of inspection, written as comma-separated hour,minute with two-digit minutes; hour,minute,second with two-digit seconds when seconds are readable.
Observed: 9,40,13
